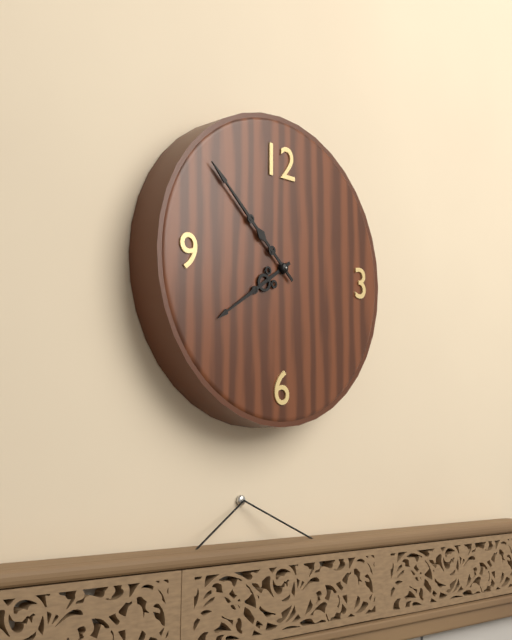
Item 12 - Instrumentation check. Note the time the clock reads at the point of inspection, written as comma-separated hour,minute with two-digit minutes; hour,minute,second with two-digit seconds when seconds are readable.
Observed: 7,52
